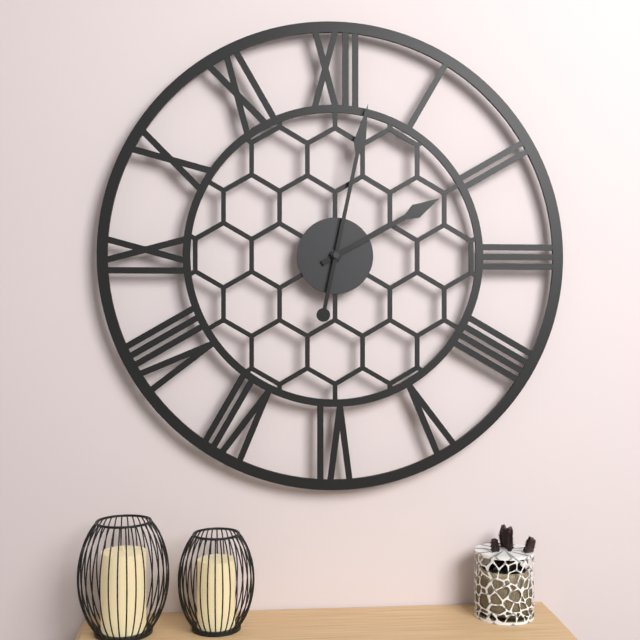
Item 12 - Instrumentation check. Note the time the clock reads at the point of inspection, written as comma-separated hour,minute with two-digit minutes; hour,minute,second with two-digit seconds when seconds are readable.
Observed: 2,02
